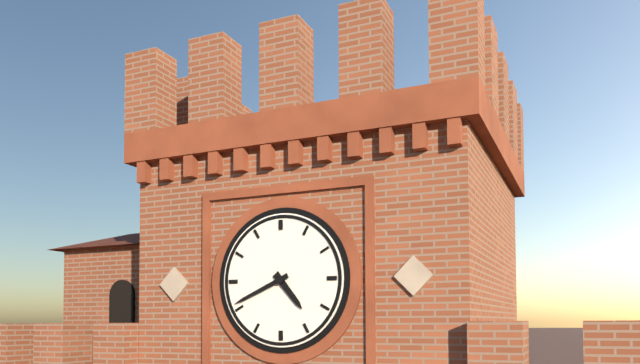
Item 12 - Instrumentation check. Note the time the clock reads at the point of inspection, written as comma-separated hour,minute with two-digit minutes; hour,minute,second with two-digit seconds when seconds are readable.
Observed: 4,41
